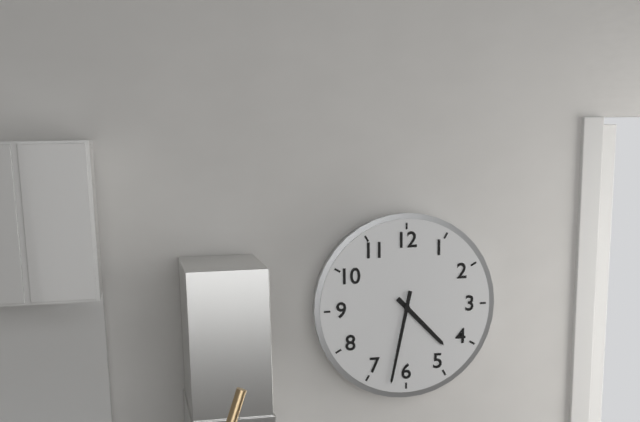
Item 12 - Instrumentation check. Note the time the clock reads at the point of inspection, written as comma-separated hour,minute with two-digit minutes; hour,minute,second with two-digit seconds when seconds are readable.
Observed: 4,32
